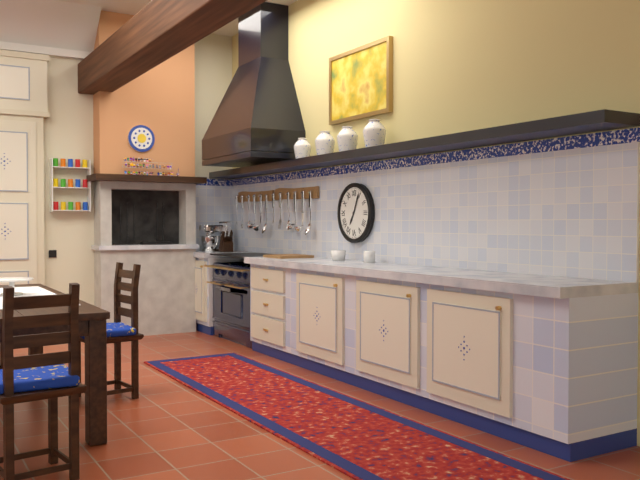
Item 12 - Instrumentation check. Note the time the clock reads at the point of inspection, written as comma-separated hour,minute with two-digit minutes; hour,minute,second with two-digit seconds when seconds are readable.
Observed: 7,04
